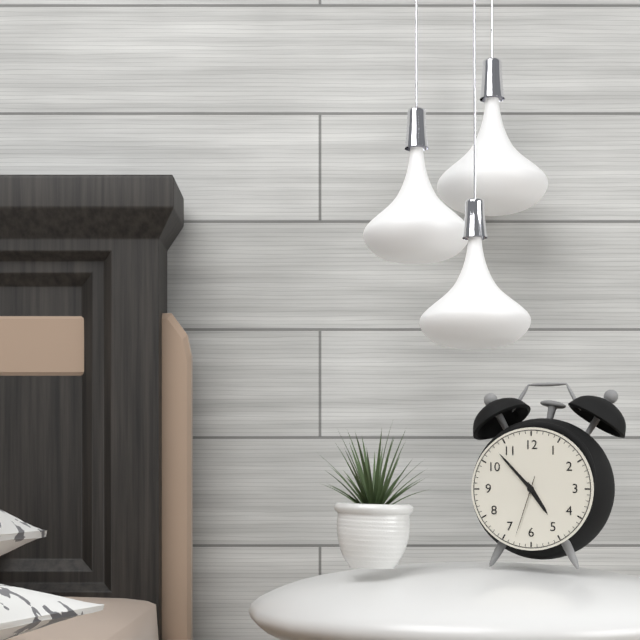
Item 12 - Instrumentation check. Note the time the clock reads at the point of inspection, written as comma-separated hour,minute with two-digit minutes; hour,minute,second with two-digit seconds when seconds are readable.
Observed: 4,53,33
